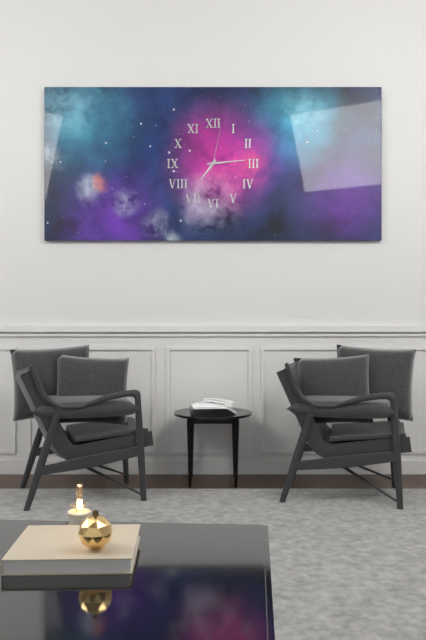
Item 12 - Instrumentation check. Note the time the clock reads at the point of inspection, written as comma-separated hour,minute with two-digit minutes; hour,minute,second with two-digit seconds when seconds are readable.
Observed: 7,14,02
